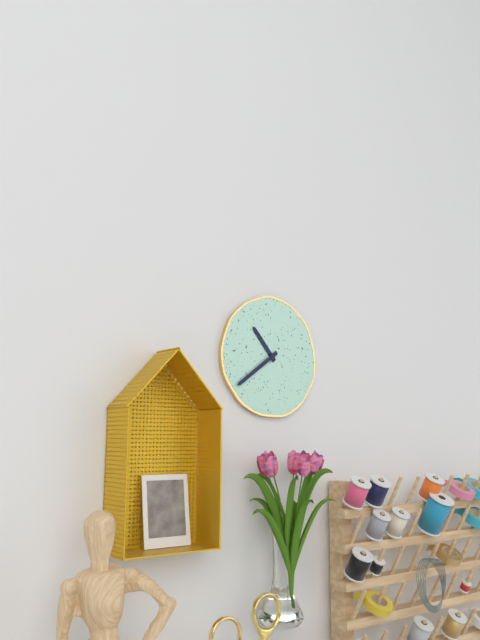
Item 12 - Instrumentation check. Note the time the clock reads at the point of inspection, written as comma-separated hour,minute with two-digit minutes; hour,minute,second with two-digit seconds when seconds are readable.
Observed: 10,39
